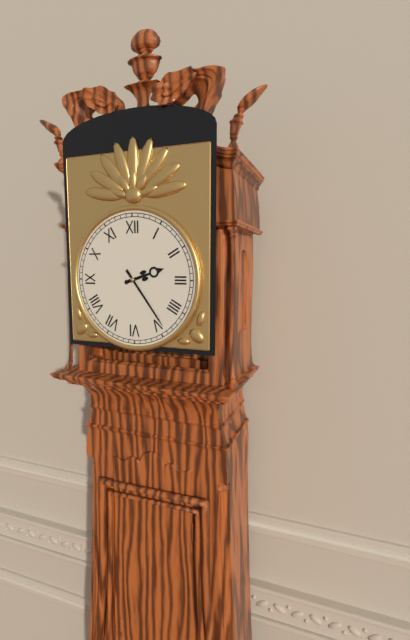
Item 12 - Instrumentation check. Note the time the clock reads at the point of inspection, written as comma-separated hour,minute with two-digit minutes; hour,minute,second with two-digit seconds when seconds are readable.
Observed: 2,24
